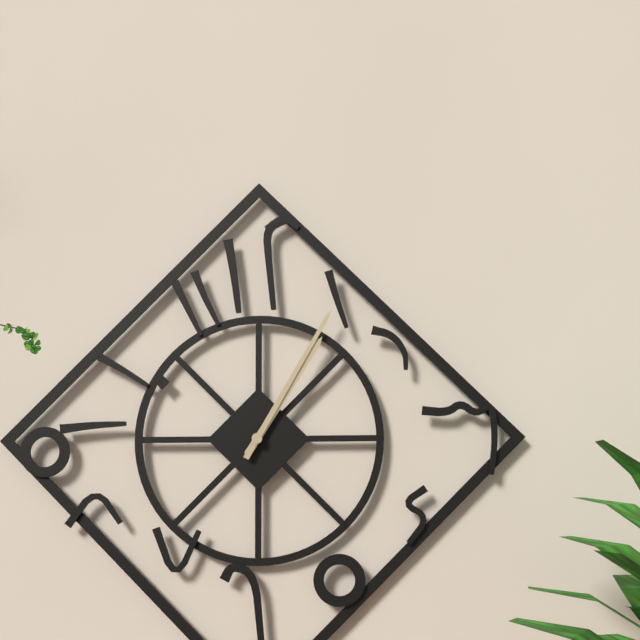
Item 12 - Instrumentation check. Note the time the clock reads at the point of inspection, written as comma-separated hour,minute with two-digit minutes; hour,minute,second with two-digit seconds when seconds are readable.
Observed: 1,05
